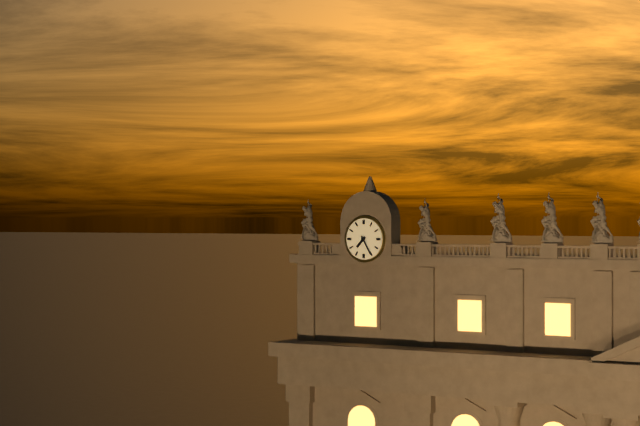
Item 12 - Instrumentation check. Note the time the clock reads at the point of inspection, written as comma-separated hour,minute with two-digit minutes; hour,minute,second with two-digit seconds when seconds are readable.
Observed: 7,25
